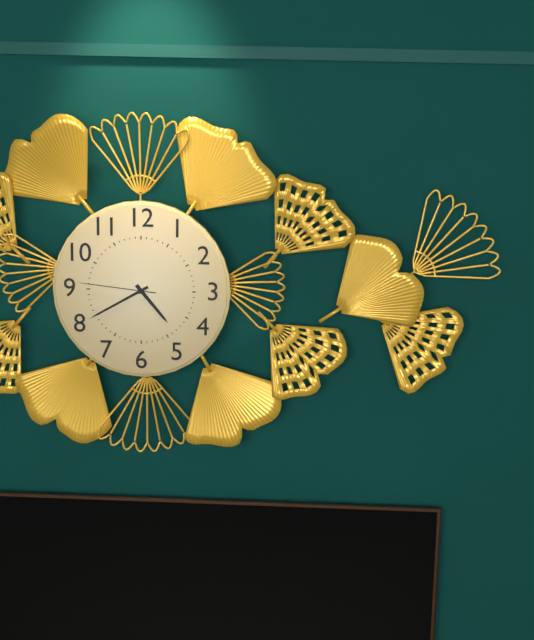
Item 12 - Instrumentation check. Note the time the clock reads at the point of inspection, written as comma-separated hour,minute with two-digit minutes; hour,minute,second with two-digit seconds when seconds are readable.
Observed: 4,40,46
